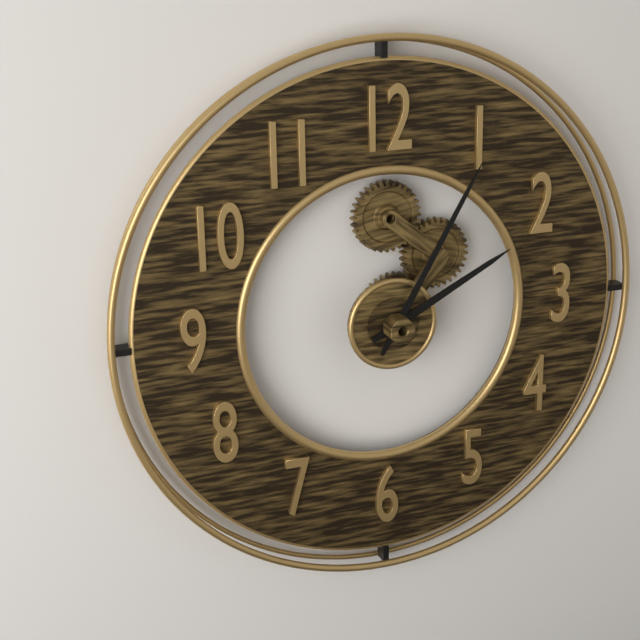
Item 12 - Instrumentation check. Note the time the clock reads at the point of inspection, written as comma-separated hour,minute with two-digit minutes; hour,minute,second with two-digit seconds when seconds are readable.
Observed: 2,05
